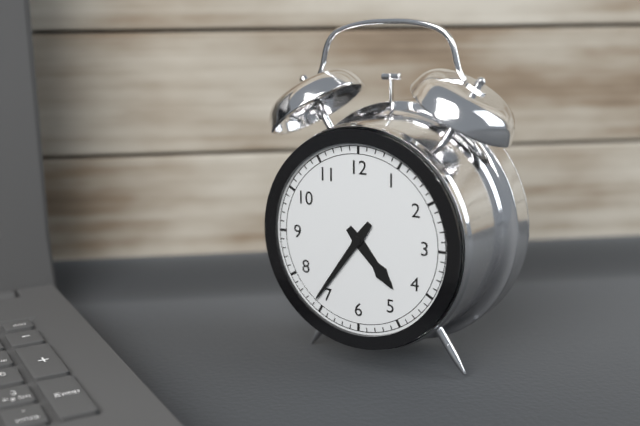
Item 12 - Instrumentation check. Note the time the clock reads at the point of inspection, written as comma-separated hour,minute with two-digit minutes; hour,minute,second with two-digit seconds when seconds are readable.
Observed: 4,36
